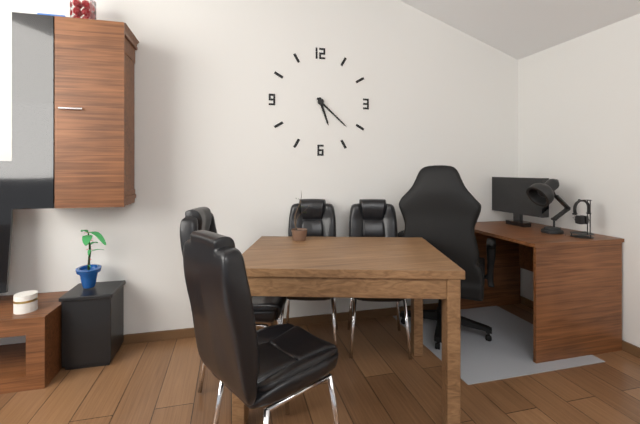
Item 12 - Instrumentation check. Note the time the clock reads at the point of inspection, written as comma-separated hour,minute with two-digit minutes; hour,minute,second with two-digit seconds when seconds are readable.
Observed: 5,22
